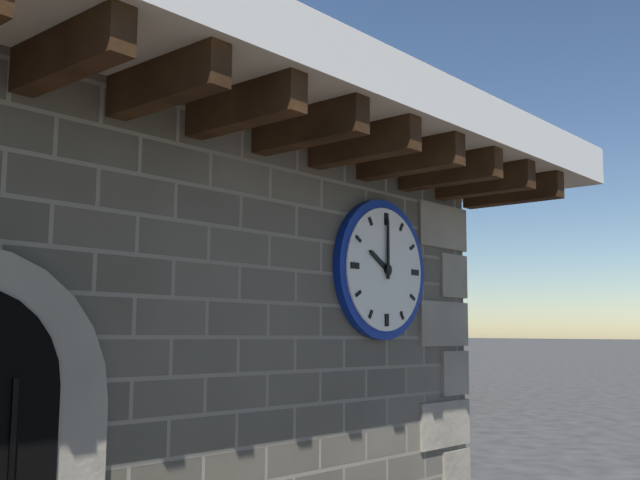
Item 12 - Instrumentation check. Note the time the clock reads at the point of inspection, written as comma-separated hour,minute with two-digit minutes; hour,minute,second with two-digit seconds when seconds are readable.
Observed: 10,00
